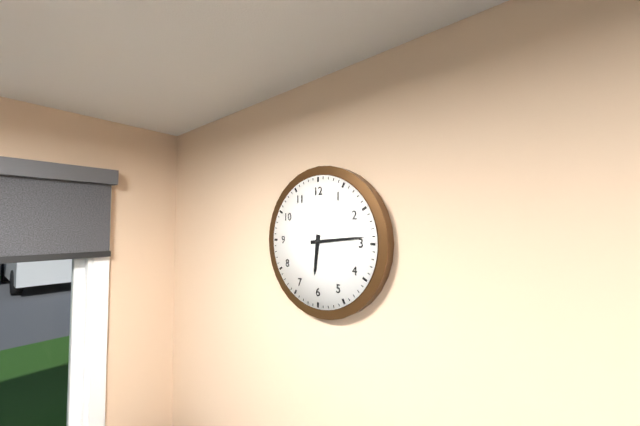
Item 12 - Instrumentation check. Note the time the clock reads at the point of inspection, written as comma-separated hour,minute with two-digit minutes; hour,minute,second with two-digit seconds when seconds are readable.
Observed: 6,14
